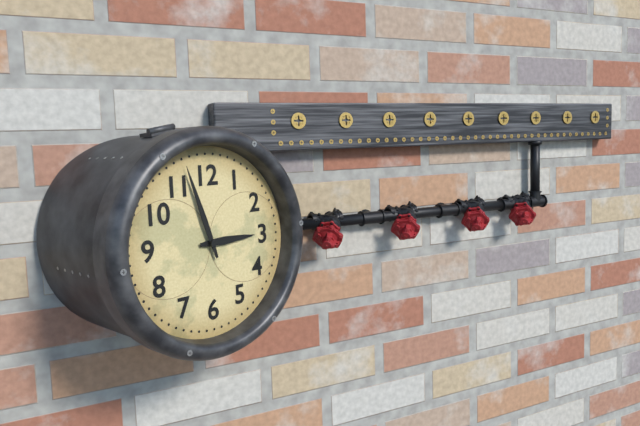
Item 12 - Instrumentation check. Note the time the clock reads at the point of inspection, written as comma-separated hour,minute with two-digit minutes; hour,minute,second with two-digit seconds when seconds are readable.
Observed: 2,57
